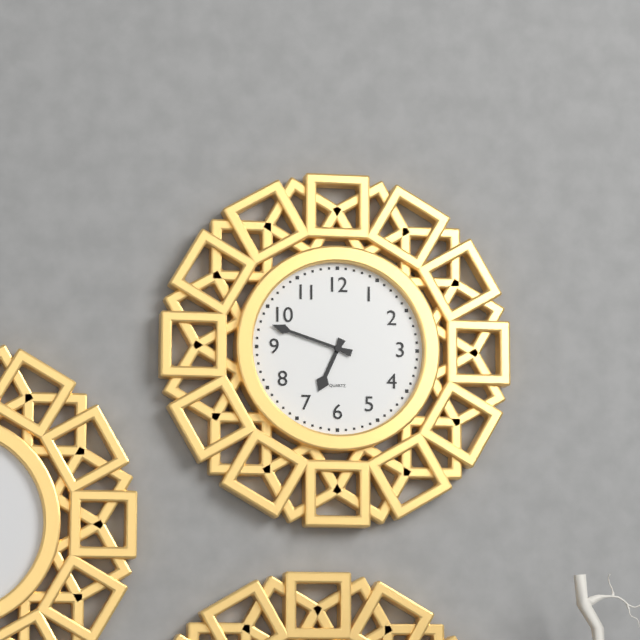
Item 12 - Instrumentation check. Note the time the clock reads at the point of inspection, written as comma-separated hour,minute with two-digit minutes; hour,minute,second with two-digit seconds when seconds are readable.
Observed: 6,48
